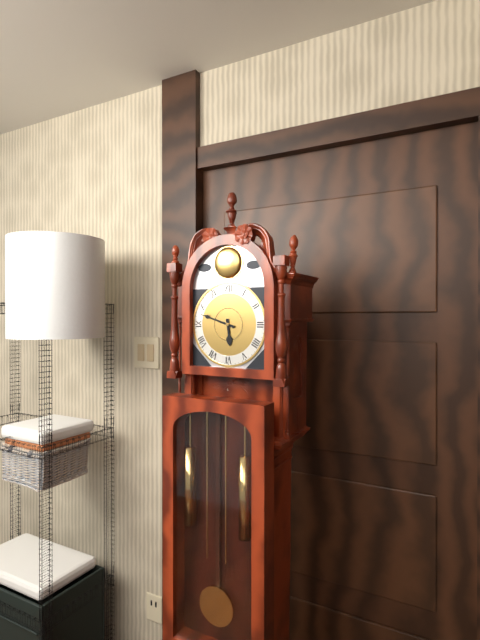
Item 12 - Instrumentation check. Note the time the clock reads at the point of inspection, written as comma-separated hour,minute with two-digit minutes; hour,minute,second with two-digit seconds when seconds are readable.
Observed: 5,48
